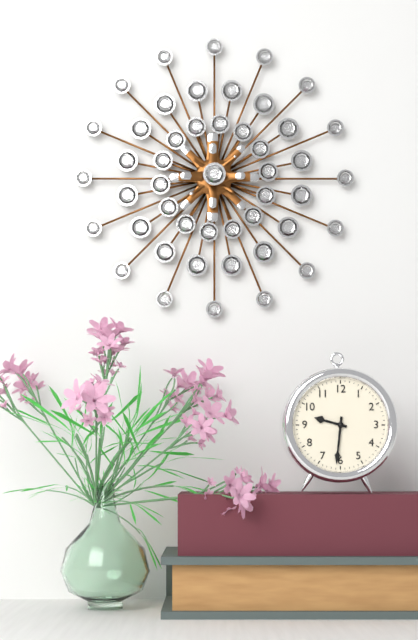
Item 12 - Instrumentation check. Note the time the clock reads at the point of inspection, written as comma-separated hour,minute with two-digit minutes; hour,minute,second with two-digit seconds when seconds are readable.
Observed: 9,31
